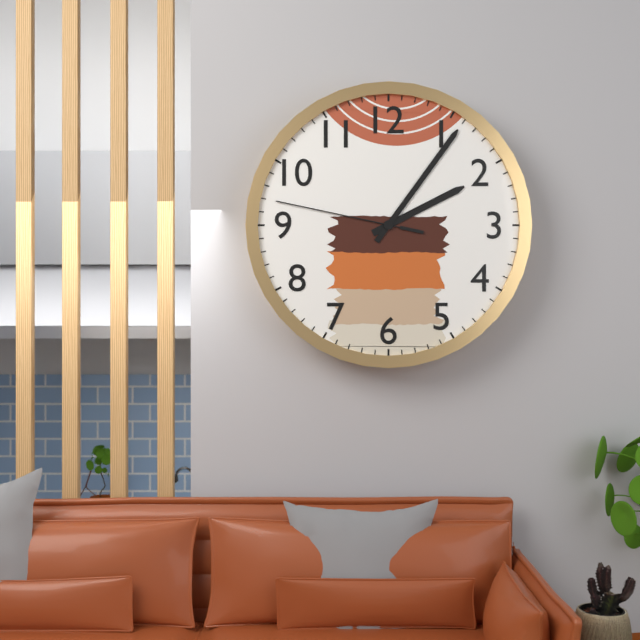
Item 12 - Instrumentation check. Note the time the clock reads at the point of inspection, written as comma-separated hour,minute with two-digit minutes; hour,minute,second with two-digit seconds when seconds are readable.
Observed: 2,06,47
